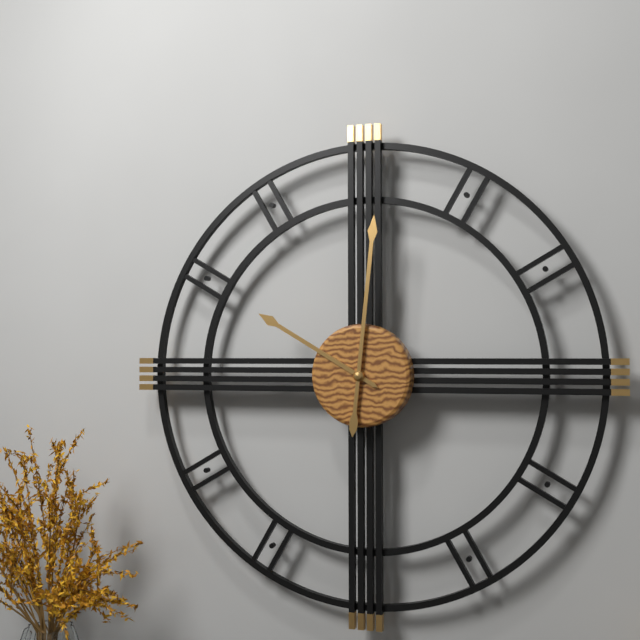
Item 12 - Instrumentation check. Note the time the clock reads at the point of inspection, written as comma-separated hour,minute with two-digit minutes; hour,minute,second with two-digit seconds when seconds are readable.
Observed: 10,01
